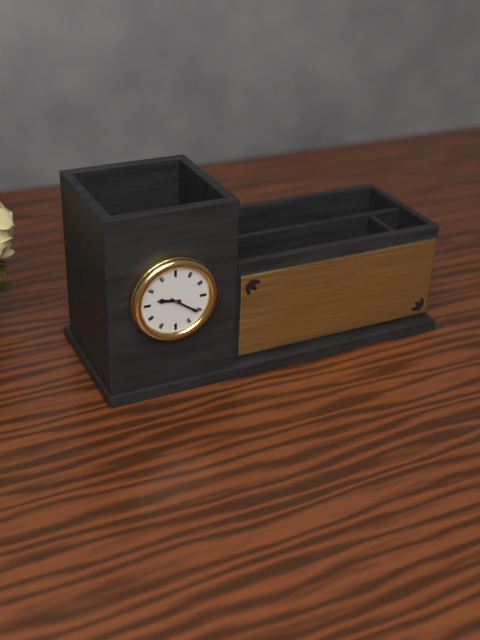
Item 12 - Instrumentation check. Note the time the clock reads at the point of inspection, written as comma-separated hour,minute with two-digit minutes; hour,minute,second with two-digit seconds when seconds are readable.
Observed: 9,21
